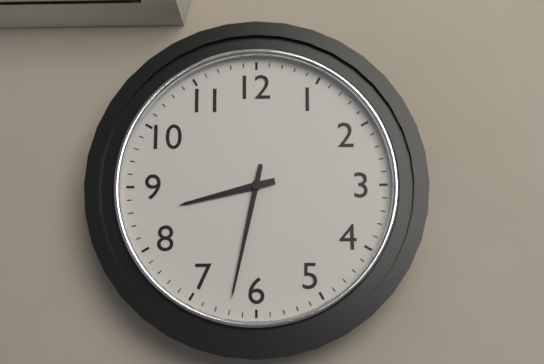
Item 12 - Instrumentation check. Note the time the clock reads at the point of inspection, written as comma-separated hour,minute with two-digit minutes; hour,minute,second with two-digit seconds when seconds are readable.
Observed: 8,32
